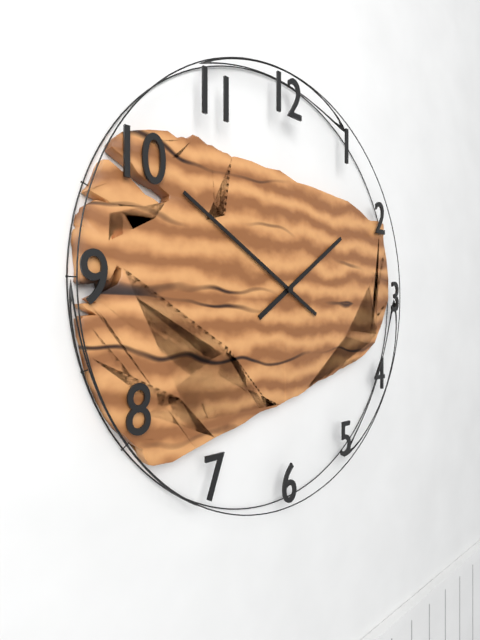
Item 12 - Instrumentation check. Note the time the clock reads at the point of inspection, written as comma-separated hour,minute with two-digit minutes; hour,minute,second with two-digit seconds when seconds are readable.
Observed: 1,50
